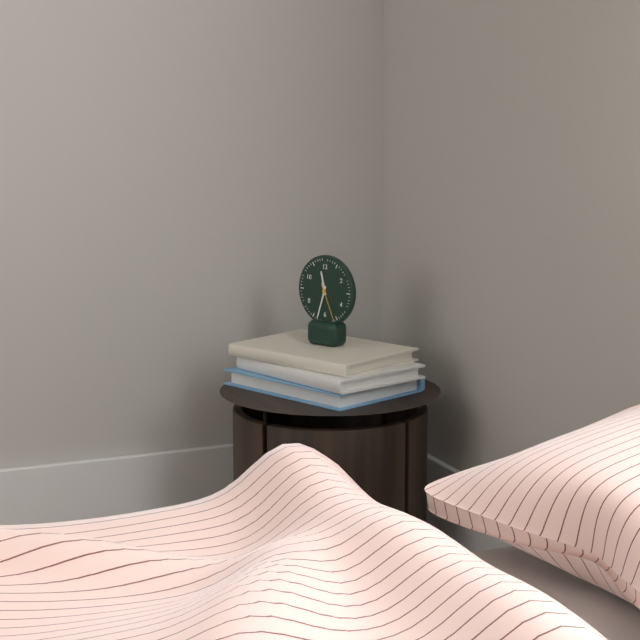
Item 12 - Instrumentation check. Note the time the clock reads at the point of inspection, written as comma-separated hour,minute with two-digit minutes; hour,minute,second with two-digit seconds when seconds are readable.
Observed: 11,33
